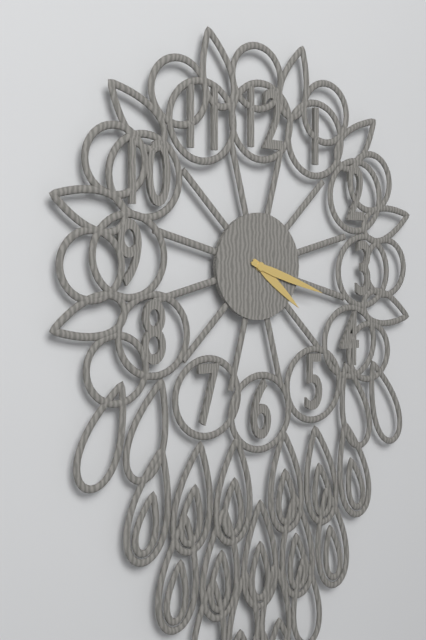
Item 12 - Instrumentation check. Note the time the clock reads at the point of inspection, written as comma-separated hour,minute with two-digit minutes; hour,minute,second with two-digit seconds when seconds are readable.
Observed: 4,18
